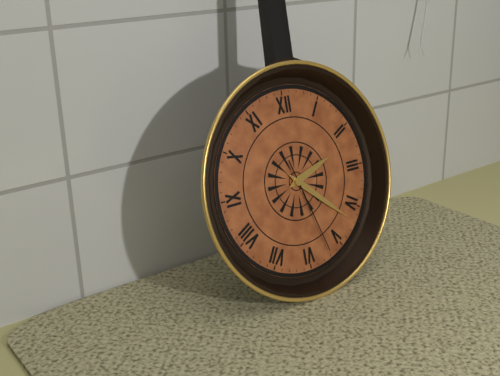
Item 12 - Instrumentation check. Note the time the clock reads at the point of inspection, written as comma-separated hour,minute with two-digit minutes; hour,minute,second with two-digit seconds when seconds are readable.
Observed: 2,22,27
